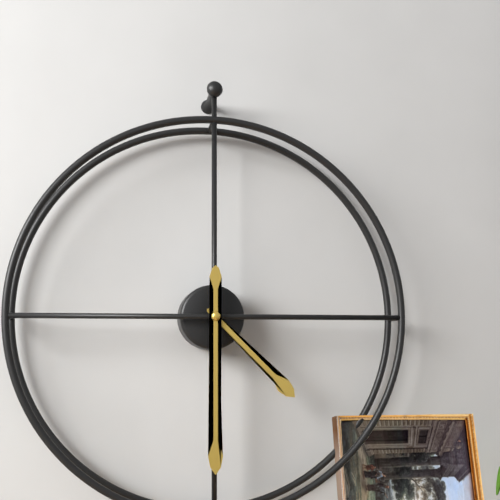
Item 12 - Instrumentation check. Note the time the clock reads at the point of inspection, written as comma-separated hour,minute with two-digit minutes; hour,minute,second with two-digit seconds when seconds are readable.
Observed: 4,30
